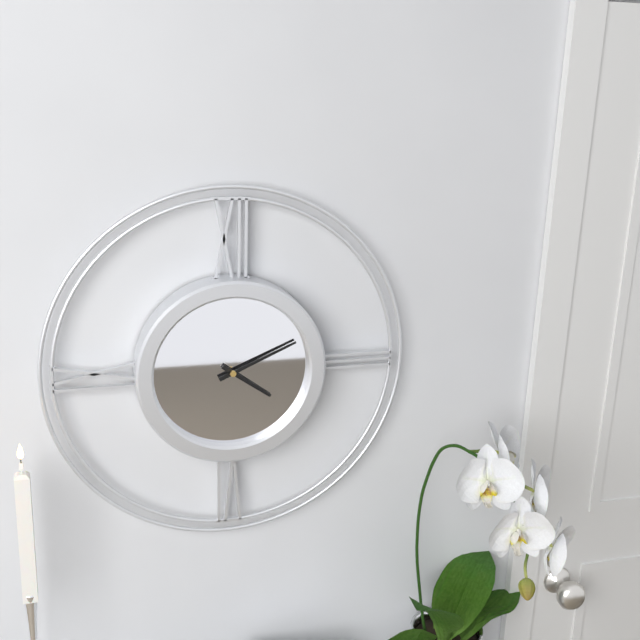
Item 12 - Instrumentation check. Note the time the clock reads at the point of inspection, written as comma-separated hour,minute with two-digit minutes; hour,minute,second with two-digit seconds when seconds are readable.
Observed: 4,11
